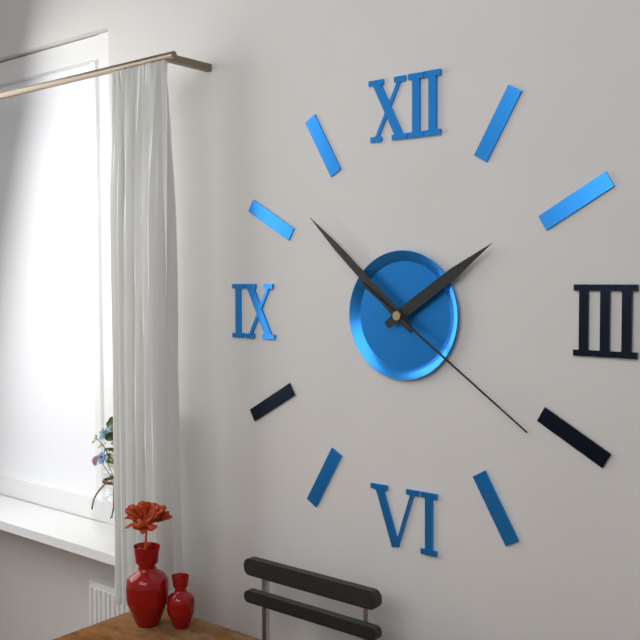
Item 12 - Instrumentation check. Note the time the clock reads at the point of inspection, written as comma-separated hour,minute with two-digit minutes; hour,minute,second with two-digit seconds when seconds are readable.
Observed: 1,52,21
